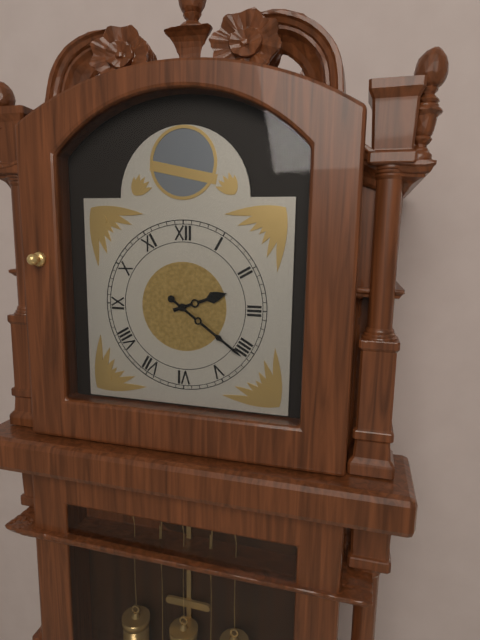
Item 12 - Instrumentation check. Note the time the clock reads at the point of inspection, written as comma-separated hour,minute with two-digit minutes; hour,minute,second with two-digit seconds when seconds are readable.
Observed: 2,21
